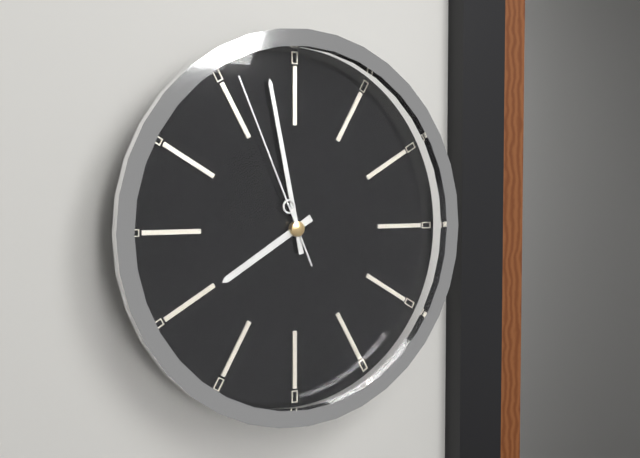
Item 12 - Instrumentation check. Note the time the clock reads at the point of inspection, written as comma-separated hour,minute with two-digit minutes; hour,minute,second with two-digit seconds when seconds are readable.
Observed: 7,58,56
